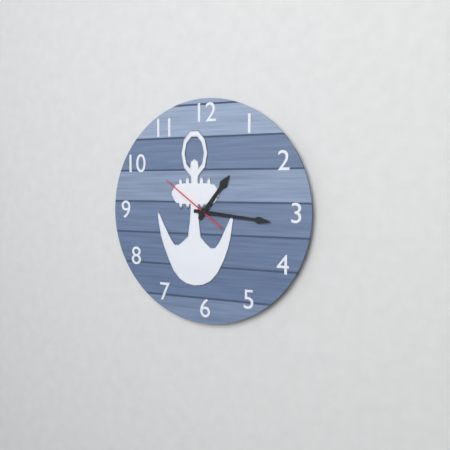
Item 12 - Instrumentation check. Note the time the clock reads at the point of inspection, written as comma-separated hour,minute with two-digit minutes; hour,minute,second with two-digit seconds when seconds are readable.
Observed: 1,16,51
